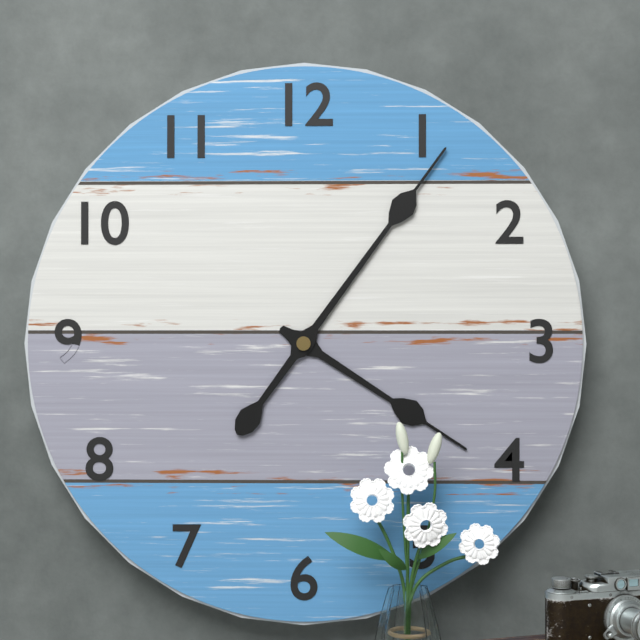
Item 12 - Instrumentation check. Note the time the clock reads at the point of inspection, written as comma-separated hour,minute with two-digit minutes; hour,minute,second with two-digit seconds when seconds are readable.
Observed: 4,06
